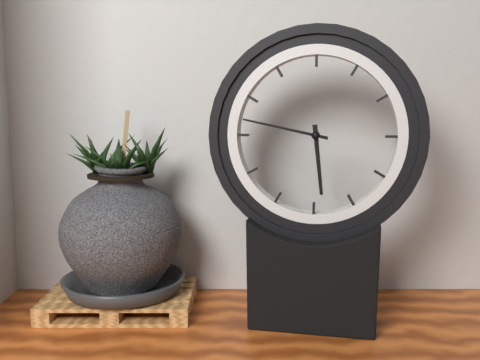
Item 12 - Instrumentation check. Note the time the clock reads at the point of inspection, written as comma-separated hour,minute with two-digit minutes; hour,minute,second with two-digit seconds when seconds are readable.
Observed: 5,47
